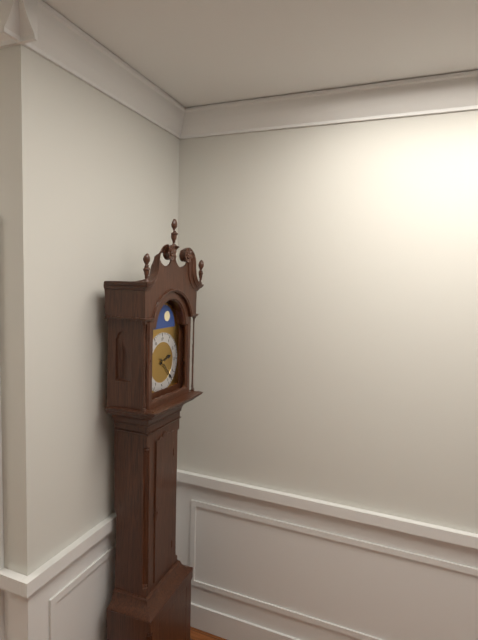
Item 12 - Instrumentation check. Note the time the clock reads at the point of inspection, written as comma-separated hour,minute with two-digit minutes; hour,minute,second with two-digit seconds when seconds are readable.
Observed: 2,23
